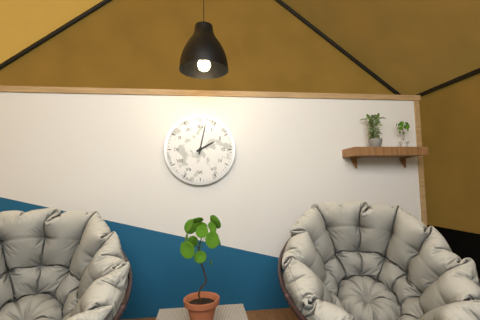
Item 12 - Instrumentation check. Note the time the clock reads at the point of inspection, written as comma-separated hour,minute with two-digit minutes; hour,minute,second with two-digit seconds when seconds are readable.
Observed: 2,02
